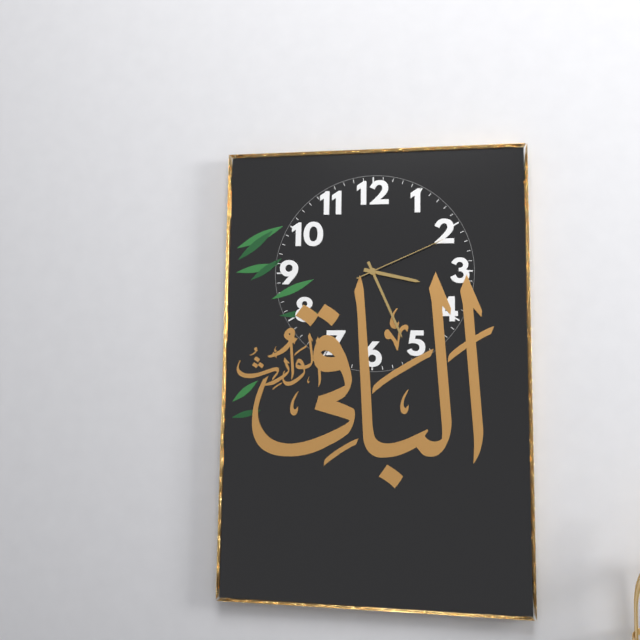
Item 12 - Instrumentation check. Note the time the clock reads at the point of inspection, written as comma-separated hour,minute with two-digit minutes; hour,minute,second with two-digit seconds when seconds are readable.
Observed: 3,26,11
